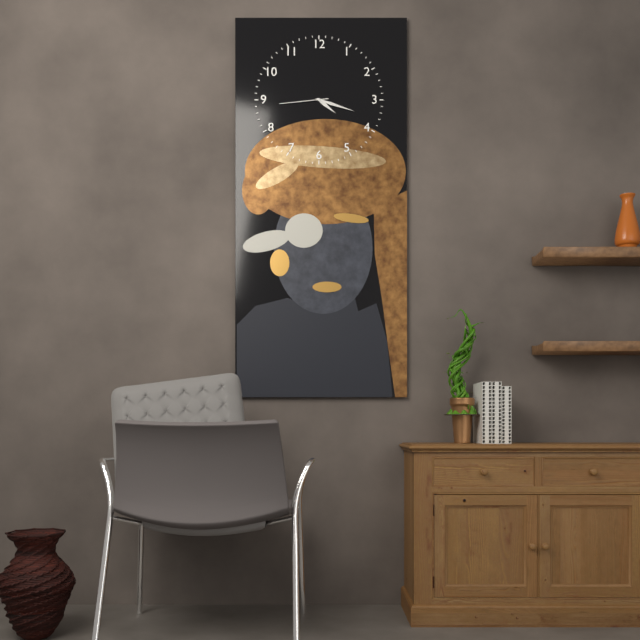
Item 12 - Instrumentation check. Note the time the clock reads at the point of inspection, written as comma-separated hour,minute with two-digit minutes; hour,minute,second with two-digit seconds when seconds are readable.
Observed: 4,18
